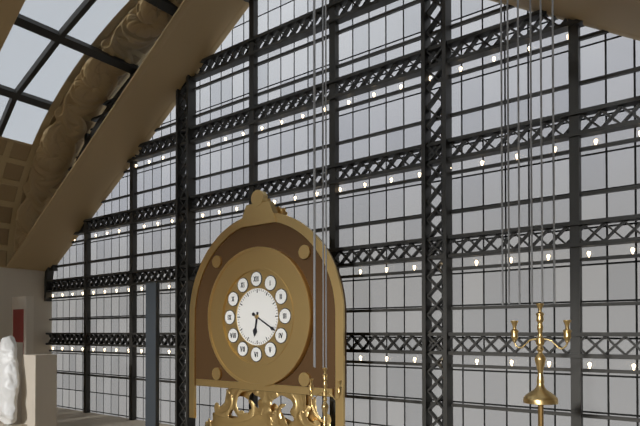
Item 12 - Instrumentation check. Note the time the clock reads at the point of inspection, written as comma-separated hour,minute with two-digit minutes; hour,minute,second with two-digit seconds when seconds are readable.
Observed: 6,20
